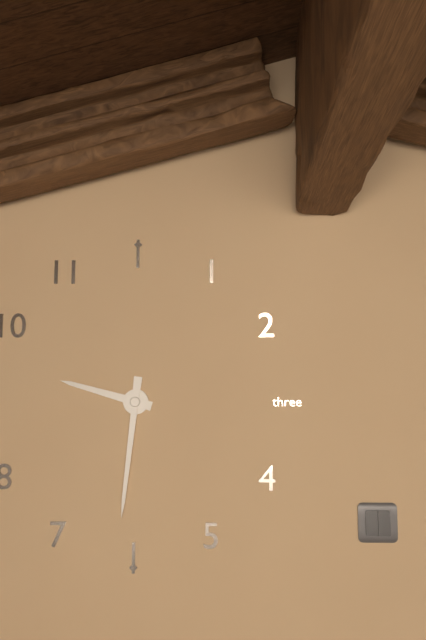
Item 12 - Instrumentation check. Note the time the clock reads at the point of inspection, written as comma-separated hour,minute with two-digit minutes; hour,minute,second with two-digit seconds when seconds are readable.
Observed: 9,31
